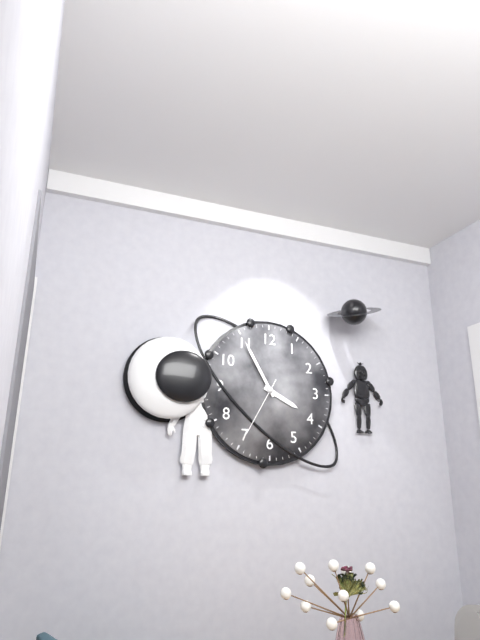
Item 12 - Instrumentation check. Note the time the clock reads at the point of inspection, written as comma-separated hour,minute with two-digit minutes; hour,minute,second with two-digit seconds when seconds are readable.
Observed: 3,55,35
